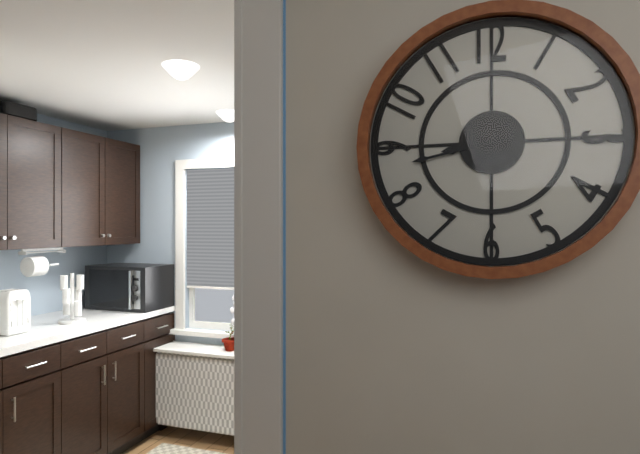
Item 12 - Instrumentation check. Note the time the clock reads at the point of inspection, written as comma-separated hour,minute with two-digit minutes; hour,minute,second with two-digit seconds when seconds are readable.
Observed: 8,43
